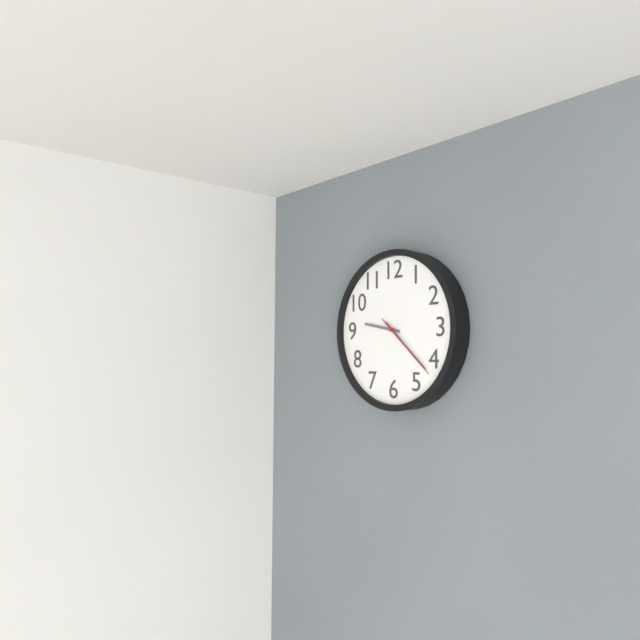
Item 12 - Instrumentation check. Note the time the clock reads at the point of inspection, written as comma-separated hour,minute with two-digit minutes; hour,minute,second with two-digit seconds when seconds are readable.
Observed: 9,22,22
